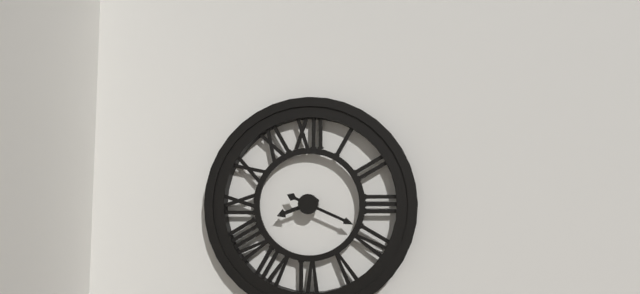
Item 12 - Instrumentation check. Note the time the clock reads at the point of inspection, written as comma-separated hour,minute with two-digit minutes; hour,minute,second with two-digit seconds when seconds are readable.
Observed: 8,19
